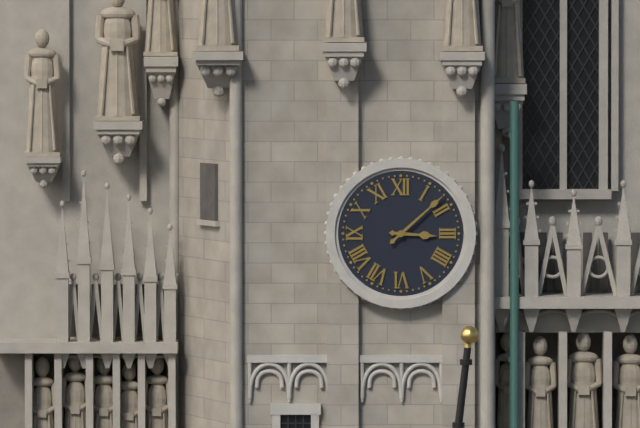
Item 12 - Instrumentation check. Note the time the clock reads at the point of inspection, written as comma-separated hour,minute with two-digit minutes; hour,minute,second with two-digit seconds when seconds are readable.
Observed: 3,08
